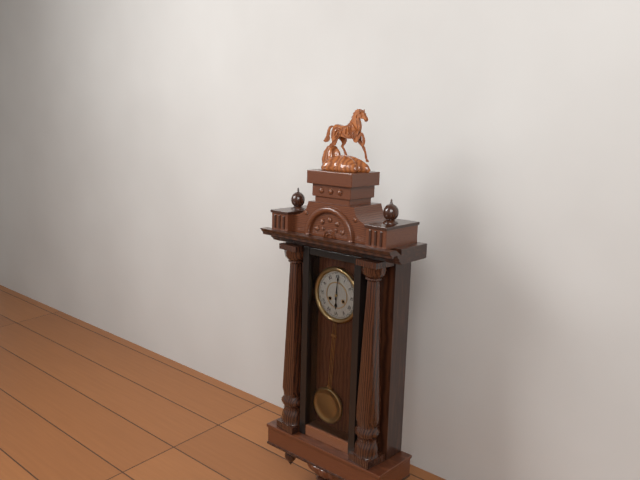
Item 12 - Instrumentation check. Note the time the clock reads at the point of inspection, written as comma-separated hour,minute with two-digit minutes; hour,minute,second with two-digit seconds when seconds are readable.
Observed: 6,01
